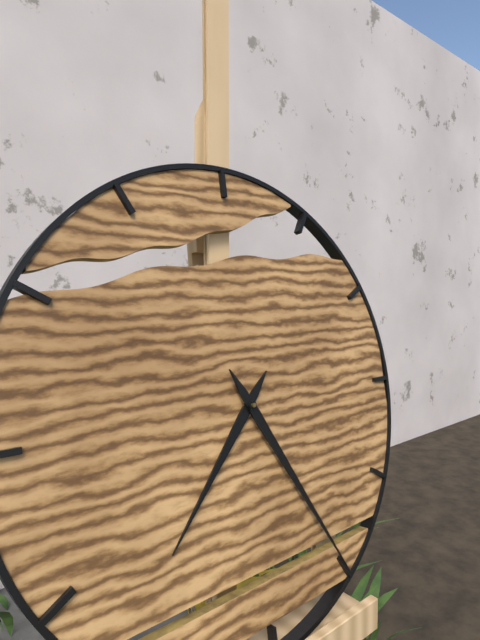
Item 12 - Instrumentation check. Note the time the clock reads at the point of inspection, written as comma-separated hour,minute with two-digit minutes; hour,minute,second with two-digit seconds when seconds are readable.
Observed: 7,25
